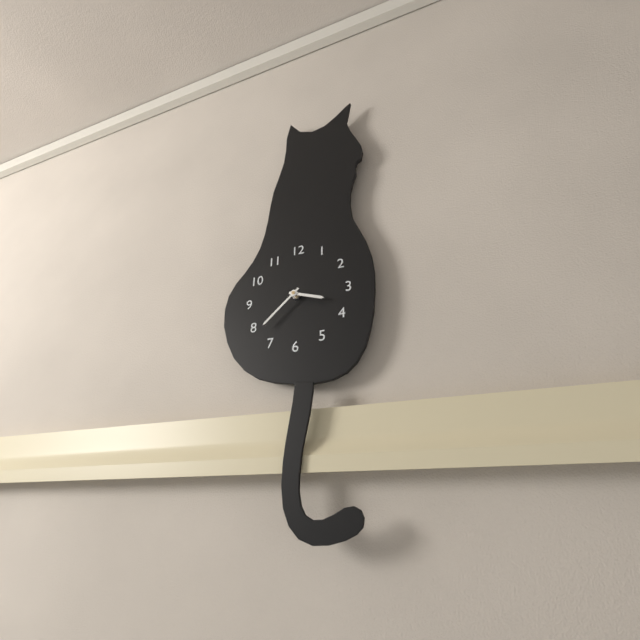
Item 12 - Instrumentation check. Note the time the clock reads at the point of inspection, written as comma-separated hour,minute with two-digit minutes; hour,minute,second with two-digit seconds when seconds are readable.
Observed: 3,38
